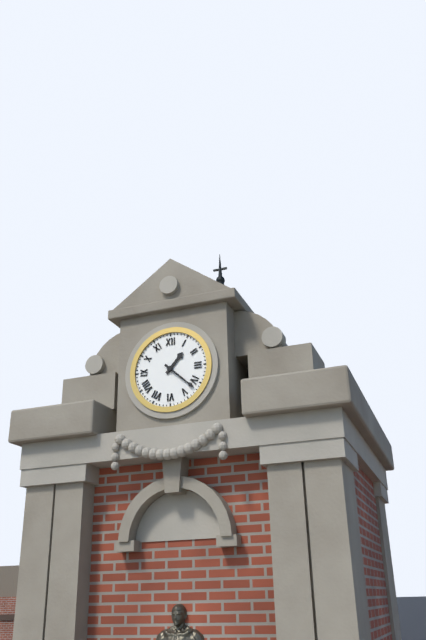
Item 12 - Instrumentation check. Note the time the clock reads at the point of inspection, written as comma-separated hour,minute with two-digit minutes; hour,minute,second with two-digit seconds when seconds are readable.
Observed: 1,22
